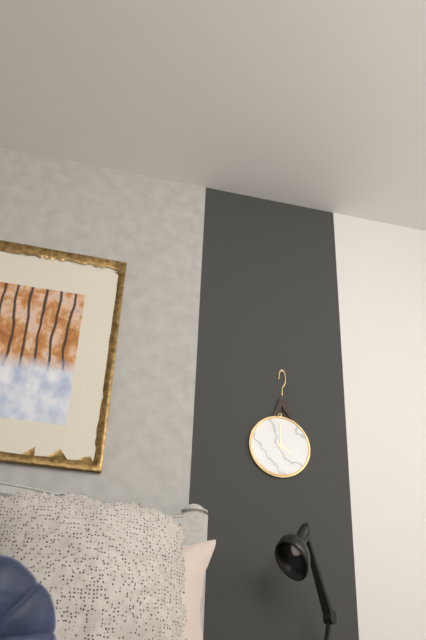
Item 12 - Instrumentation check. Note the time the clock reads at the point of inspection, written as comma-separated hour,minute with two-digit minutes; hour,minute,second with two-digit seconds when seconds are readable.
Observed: 4,00
